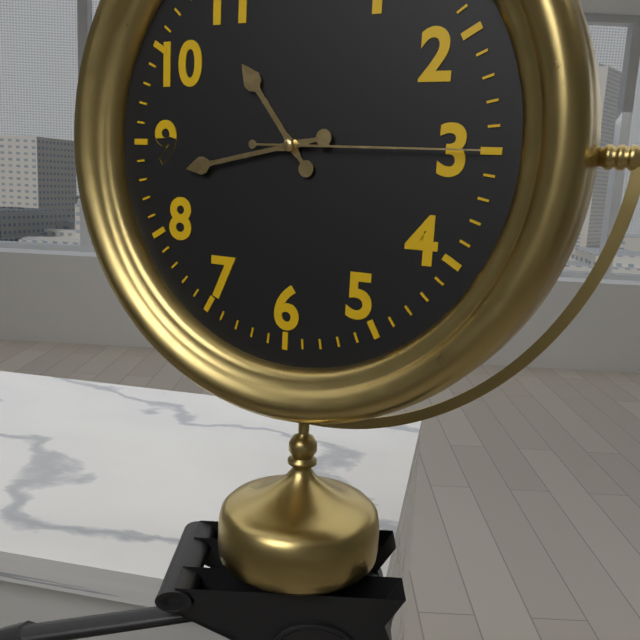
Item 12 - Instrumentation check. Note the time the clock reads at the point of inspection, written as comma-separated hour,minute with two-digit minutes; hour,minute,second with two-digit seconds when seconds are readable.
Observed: 10,43,15
